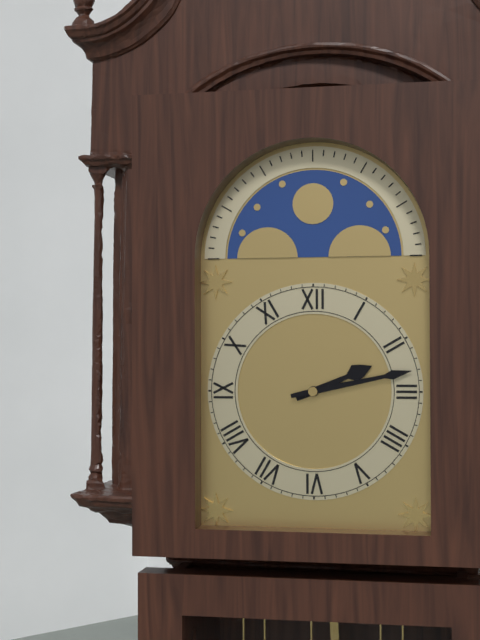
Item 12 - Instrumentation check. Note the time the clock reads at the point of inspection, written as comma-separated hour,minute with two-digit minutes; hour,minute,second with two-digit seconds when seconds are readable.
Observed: 2,13
